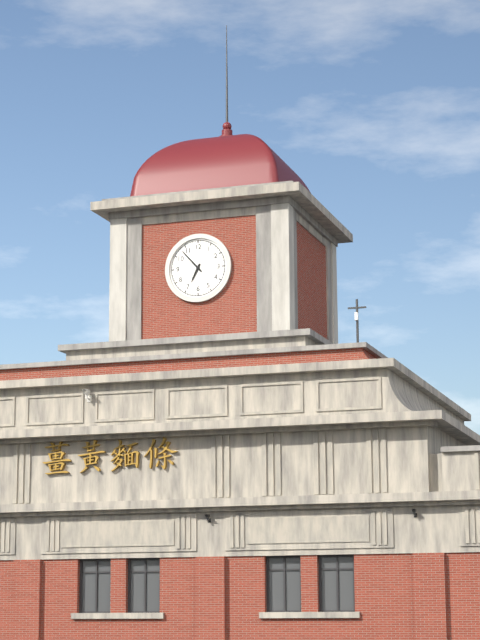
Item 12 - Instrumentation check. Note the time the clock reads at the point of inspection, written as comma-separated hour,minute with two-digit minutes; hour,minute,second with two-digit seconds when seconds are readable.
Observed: 6,53
